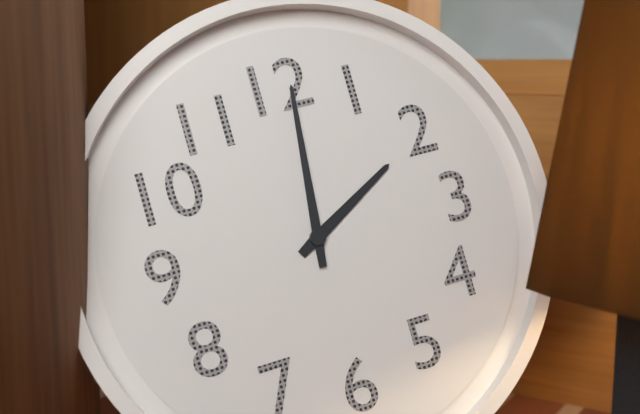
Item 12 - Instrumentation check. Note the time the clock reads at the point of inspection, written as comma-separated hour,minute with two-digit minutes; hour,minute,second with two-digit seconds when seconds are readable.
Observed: 2,01
